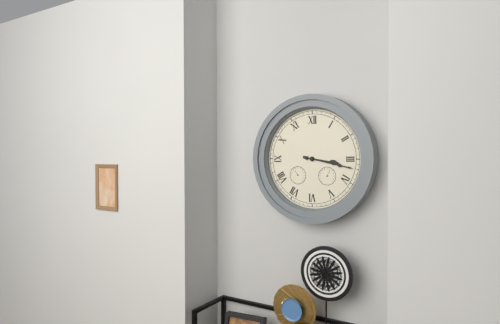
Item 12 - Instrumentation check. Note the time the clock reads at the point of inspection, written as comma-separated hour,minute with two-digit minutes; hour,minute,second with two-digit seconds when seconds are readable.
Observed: 3,17
